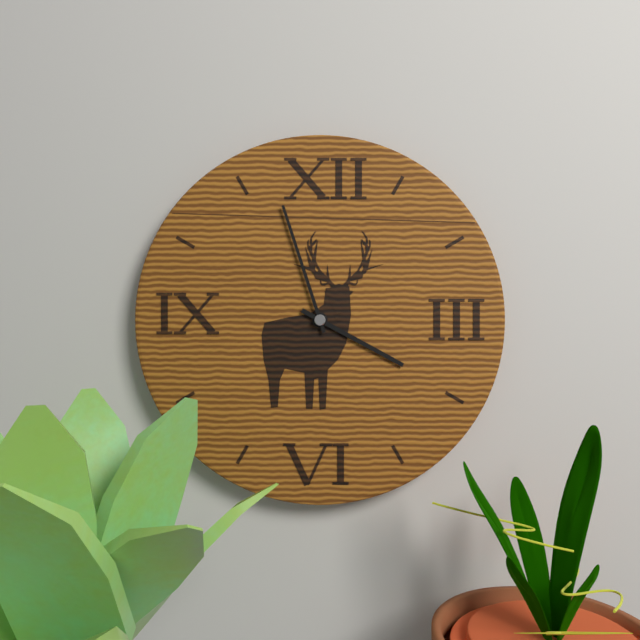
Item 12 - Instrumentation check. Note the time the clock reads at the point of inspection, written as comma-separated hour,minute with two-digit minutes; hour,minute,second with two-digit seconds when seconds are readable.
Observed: 3,57
